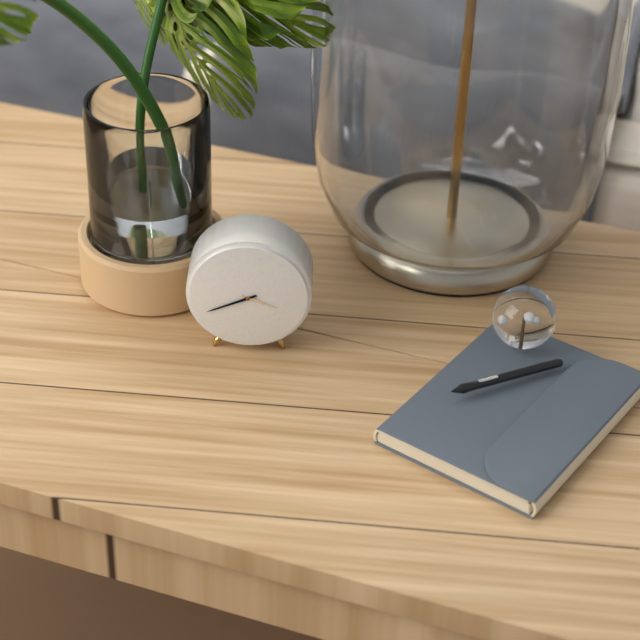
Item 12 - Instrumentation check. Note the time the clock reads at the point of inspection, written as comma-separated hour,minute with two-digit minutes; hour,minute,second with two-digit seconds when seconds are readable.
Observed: 3,41
